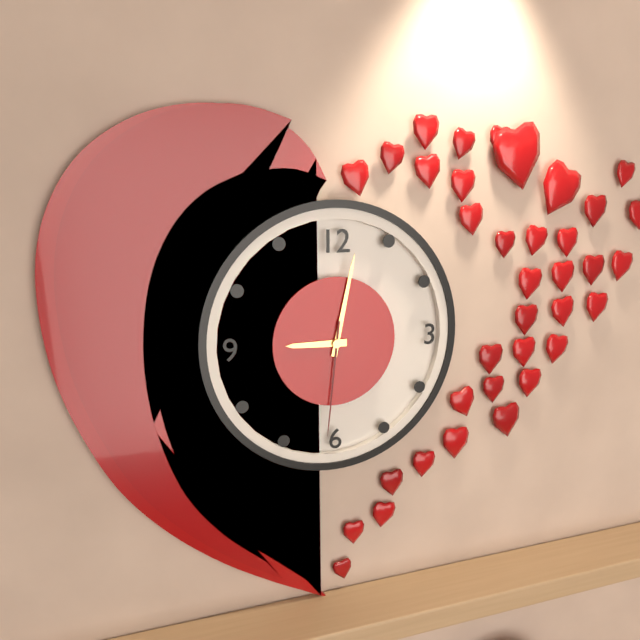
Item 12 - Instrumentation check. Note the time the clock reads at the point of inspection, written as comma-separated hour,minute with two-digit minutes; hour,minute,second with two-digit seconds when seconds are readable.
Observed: 9,02,31
